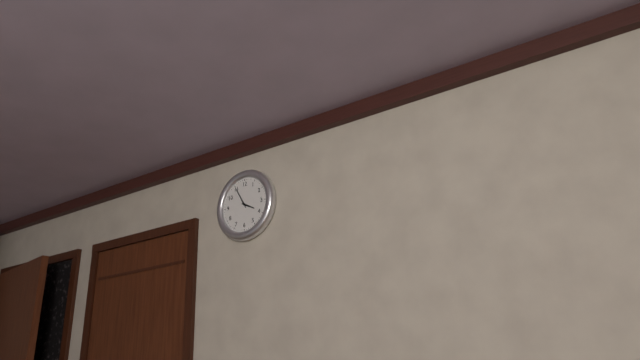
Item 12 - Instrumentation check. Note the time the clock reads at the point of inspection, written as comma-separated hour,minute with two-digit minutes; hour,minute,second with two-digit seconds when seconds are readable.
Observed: 3,55
